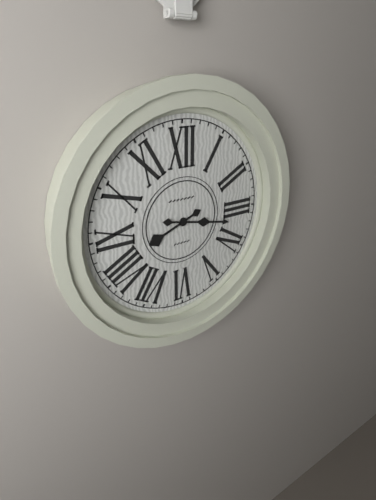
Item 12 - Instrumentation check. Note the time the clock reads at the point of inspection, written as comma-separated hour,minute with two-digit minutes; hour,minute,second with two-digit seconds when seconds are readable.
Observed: 8,17
